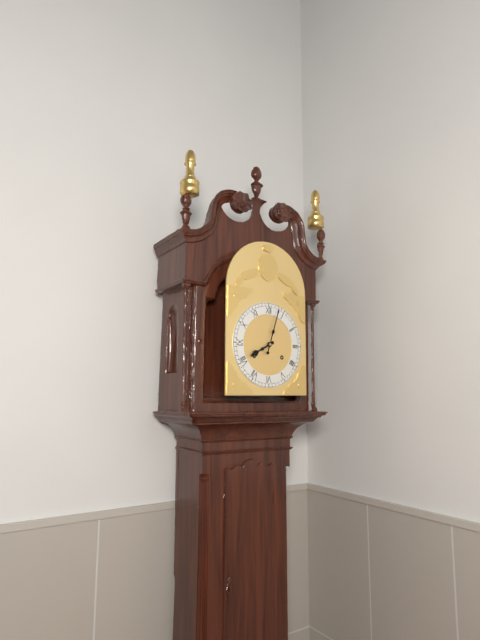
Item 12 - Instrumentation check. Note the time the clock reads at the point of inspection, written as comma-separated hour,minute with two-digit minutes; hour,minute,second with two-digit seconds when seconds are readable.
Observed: 8,03
